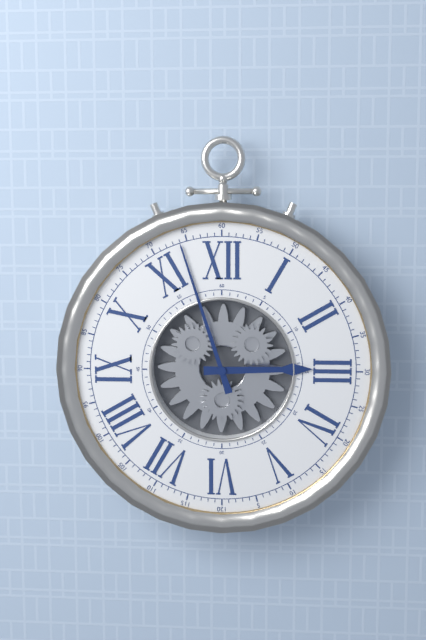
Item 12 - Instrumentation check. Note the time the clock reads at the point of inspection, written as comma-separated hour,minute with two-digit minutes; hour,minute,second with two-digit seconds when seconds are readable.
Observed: 2,57
